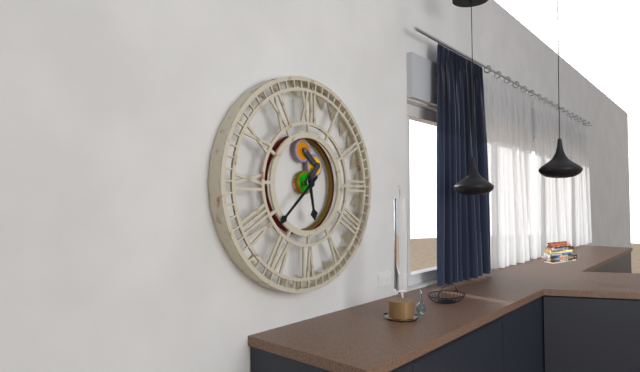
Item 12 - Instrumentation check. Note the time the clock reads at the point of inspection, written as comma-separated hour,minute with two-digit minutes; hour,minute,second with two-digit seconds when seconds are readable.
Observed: 5,38
